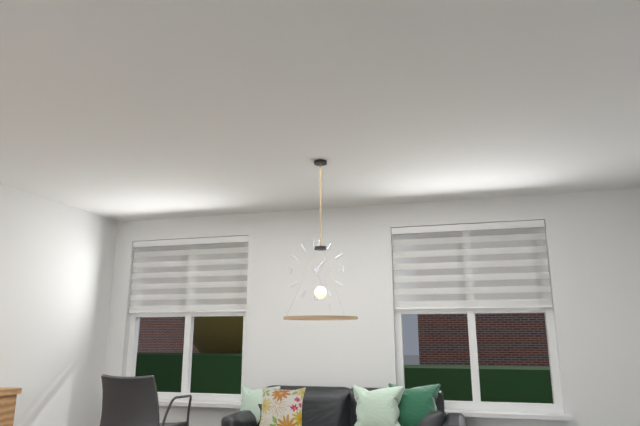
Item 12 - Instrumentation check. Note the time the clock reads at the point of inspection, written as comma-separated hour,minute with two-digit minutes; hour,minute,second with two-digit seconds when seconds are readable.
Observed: 1,26
